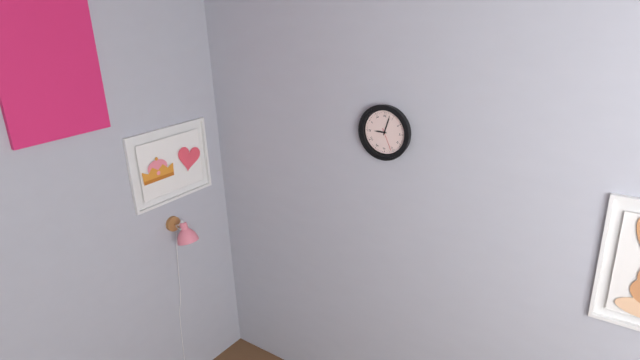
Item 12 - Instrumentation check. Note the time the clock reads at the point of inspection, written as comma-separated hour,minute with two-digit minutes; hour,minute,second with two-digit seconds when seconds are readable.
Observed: 9,03
